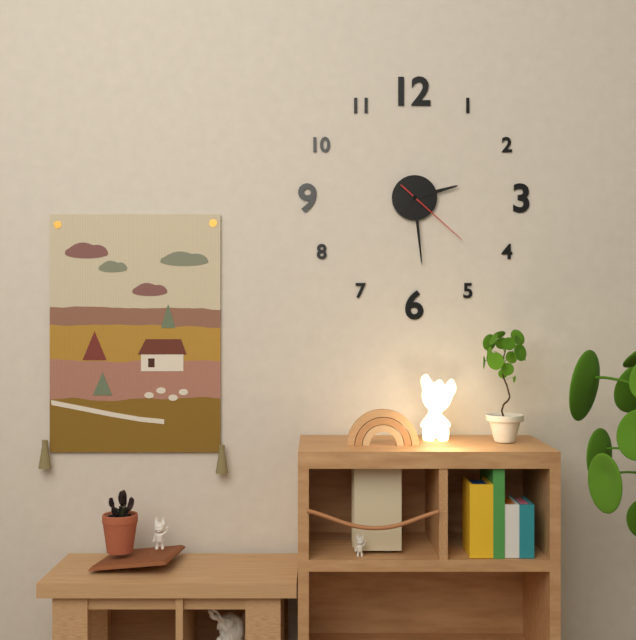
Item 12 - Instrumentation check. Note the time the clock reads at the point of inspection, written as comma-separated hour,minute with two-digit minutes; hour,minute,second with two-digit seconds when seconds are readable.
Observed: 2,29,22
